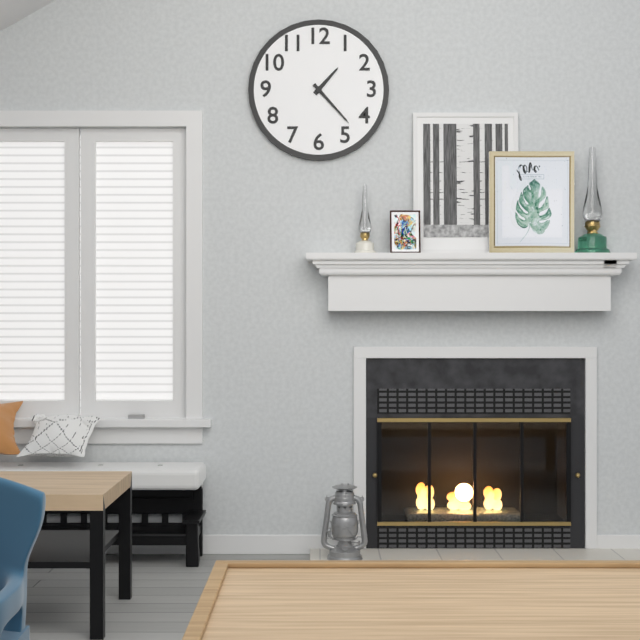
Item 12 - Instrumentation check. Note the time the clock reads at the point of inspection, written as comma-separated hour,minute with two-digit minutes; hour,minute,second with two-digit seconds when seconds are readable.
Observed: 1,23
